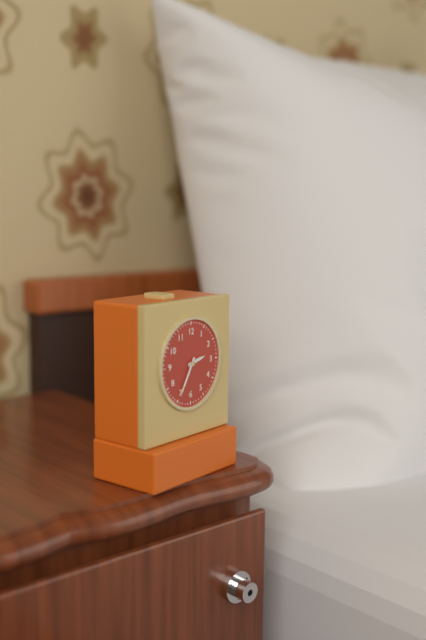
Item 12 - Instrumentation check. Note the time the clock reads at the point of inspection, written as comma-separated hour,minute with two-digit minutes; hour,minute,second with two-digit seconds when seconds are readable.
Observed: 2,35
